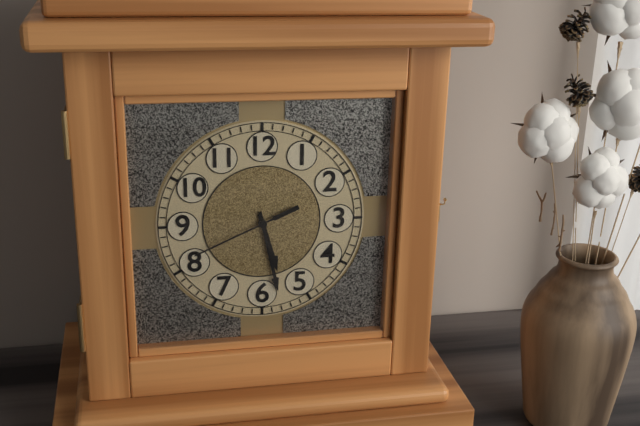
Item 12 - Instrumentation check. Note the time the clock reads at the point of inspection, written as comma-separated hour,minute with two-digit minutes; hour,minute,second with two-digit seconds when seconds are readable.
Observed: 5,28,41
